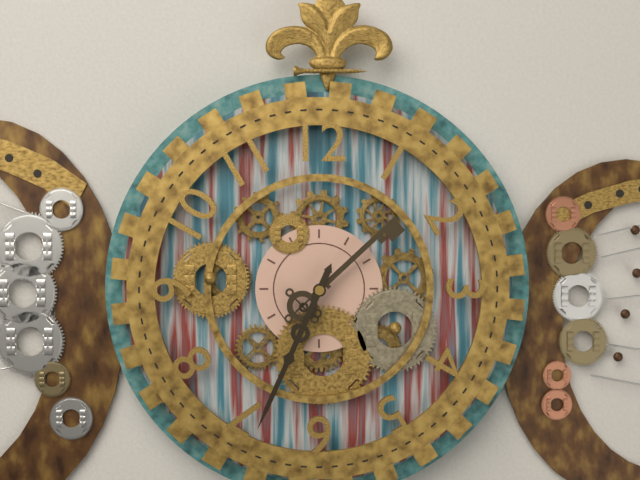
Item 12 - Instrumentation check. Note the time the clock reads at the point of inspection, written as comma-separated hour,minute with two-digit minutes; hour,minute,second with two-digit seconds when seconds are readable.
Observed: 1,34
